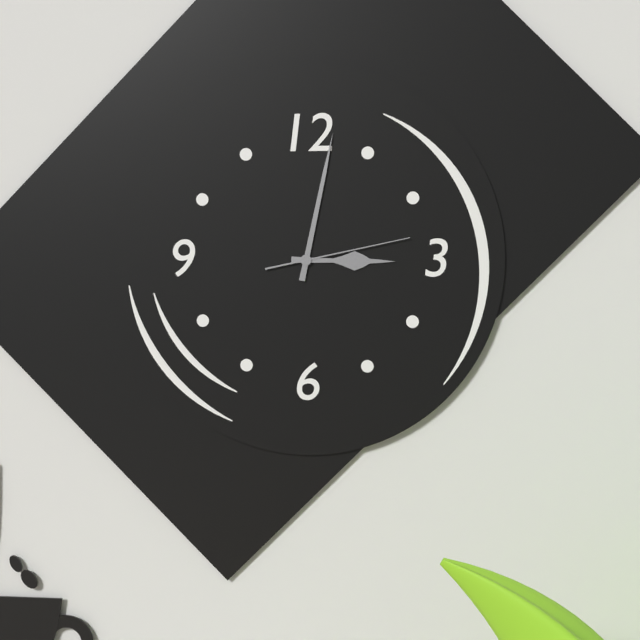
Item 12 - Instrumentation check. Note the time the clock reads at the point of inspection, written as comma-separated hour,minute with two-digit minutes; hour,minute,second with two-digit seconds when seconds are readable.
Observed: 3,02,13
